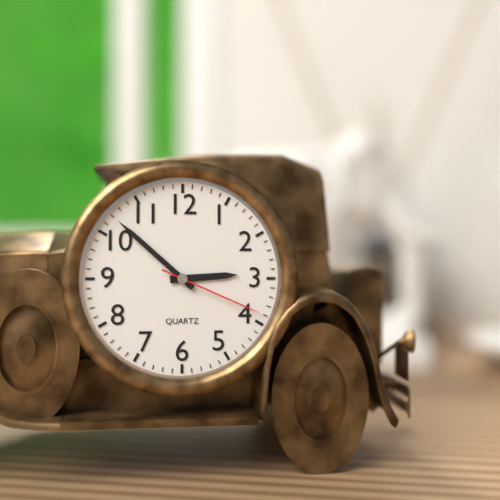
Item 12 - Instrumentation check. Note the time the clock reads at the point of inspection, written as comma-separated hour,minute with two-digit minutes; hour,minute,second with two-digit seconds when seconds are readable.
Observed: 2,52,19
